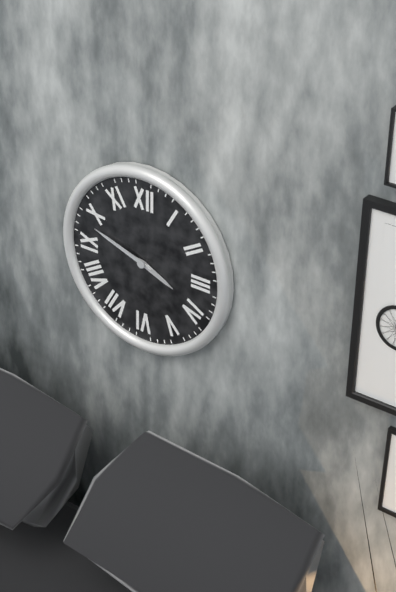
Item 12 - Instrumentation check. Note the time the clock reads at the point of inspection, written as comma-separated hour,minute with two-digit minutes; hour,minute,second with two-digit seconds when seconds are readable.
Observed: 3,48
